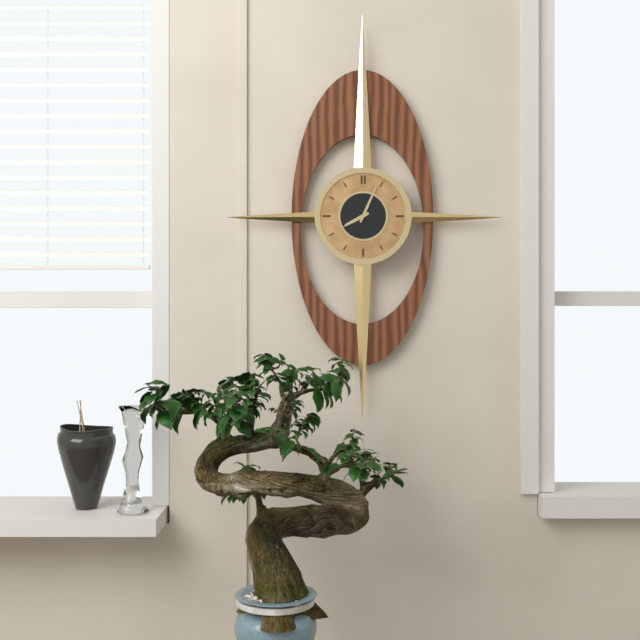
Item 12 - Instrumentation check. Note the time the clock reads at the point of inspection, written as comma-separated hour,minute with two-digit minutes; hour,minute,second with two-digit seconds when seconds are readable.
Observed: 8,04
